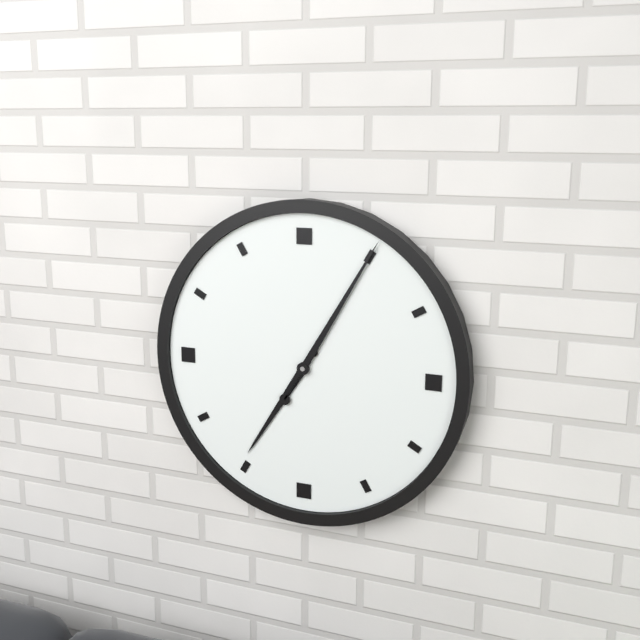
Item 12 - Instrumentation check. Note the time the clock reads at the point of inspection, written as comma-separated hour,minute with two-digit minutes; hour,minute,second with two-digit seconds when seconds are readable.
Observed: 7,05
